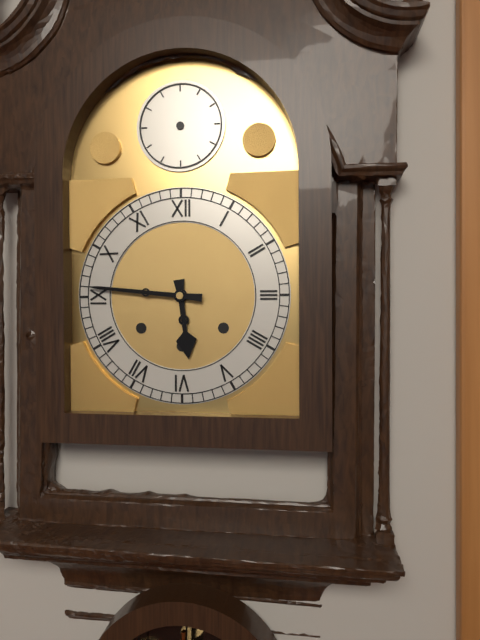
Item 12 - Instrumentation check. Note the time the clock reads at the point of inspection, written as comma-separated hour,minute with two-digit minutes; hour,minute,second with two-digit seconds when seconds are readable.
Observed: 5,46
